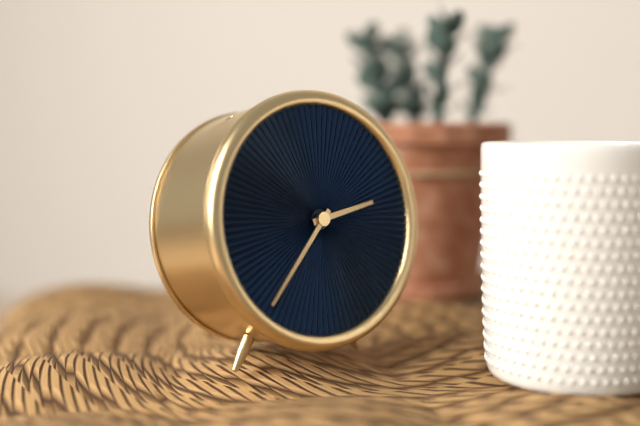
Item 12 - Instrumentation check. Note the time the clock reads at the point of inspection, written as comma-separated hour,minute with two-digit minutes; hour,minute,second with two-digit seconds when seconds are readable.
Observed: 2,37
